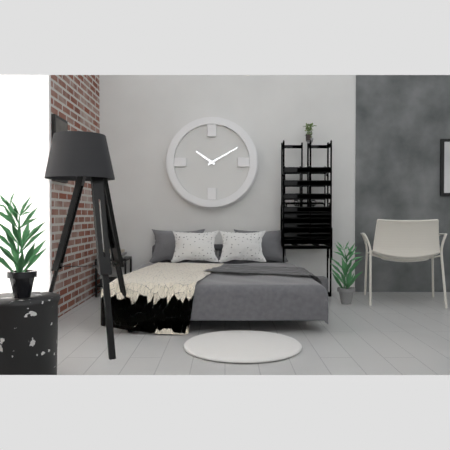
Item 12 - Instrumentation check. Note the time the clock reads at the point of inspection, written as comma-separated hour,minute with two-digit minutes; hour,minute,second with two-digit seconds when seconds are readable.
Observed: 10,10
